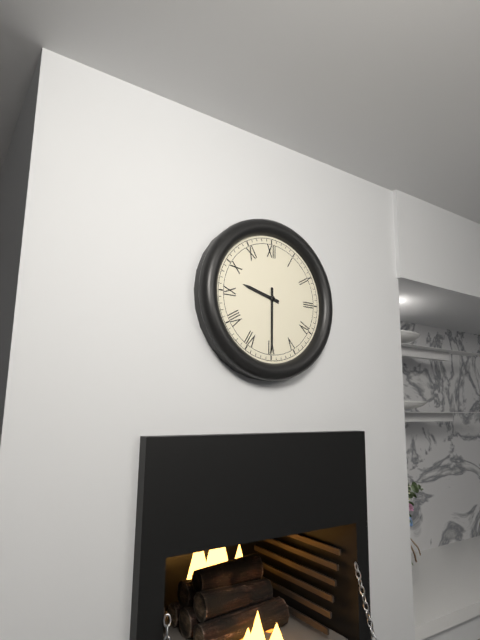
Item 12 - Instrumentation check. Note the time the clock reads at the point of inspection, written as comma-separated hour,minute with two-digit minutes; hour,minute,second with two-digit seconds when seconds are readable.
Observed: 9,30
